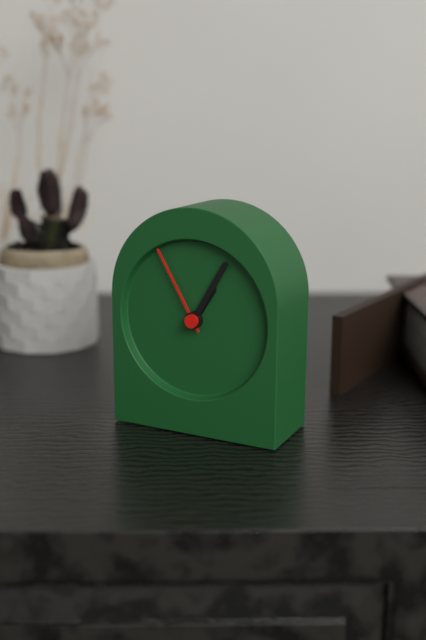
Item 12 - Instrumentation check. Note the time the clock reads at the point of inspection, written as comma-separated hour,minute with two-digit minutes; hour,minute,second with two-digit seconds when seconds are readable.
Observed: 1,05,55
